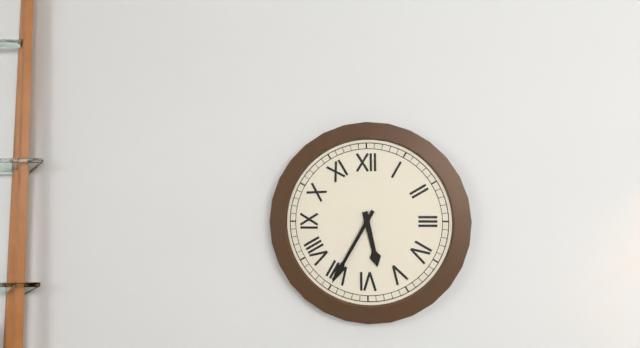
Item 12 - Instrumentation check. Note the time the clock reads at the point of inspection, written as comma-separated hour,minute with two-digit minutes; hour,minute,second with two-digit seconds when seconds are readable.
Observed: 5,35
